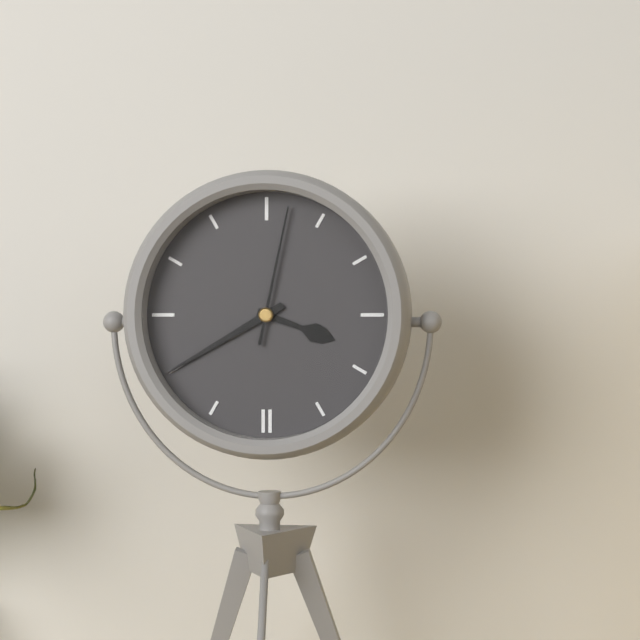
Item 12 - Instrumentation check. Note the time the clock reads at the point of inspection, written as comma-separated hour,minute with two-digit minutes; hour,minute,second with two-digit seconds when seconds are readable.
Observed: 3,40,02
